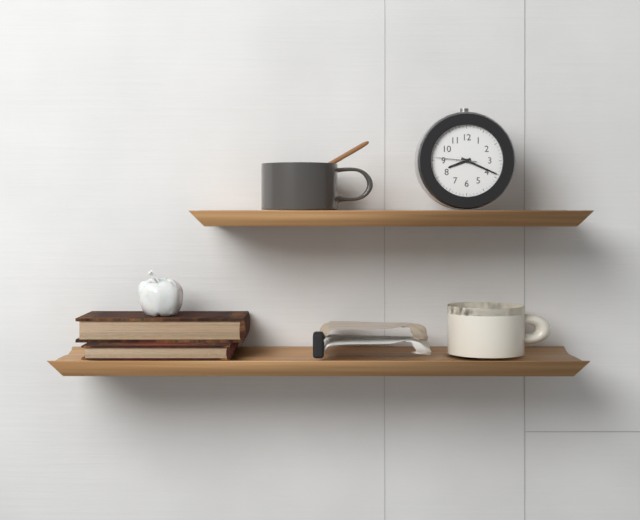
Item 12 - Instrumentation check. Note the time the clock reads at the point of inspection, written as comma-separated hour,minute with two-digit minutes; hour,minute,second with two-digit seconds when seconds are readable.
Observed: 8,19
